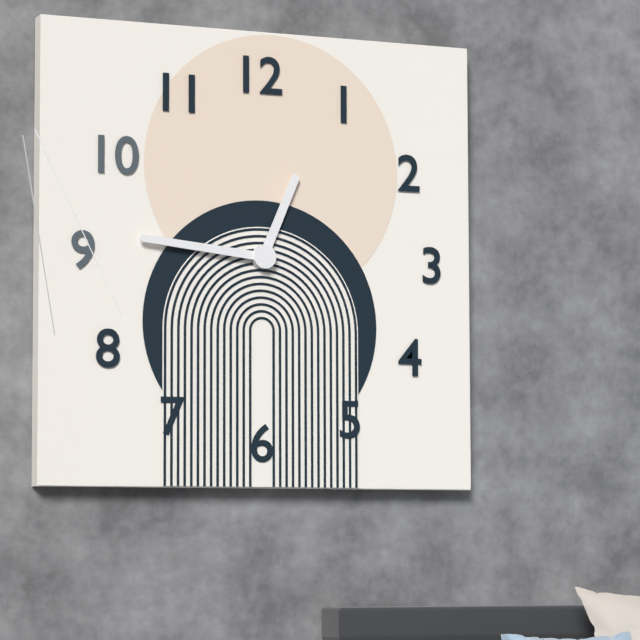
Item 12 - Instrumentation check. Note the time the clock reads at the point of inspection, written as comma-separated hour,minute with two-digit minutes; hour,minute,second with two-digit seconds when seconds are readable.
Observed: 12,46
